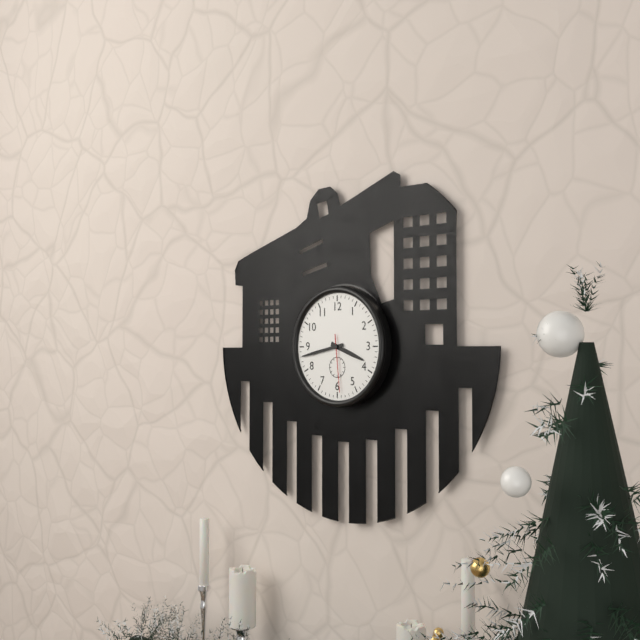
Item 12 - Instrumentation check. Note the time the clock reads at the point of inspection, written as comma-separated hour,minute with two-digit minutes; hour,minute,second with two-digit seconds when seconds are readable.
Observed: 3,43,29
